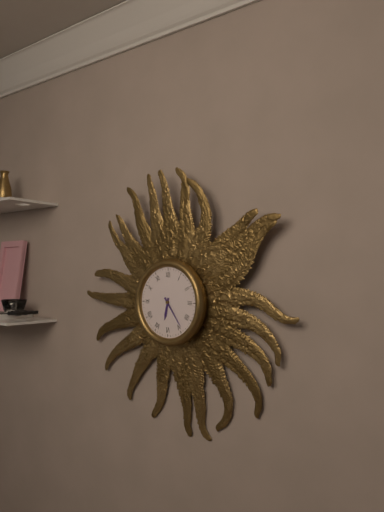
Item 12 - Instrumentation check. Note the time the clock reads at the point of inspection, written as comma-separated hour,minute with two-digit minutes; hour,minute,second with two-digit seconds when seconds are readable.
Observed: 6,24
